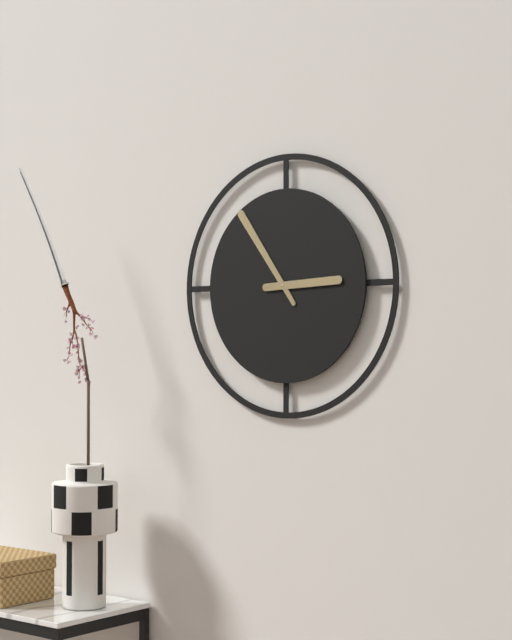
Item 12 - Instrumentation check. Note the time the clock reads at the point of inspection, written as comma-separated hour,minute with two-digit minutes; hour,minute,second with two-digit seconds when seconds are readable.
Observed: 2,54
